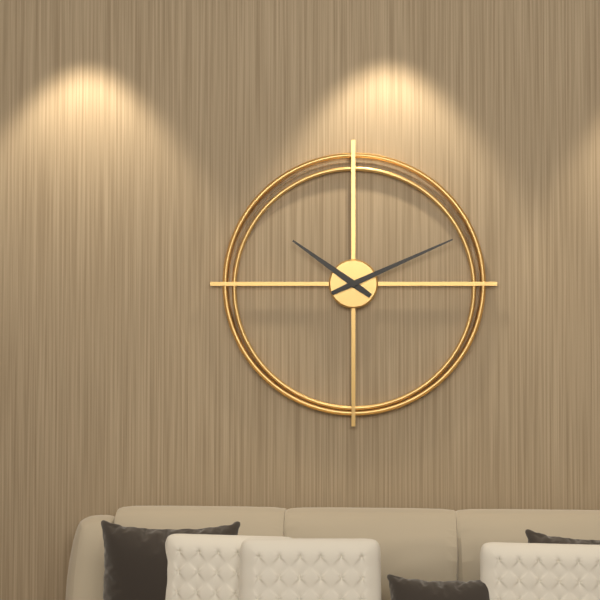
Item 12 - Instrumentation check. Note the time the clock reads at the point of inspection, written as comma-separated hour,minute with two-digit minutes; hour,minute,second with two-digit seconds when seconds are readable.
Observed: 10,11
